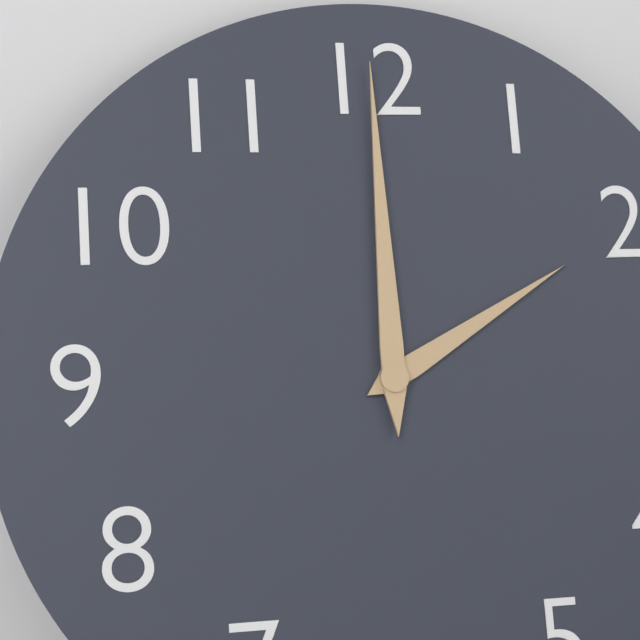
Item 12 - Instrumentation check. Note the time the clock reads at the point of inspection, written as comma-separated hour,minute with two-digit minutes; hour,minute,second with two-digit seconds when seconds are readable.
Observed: 2,00
